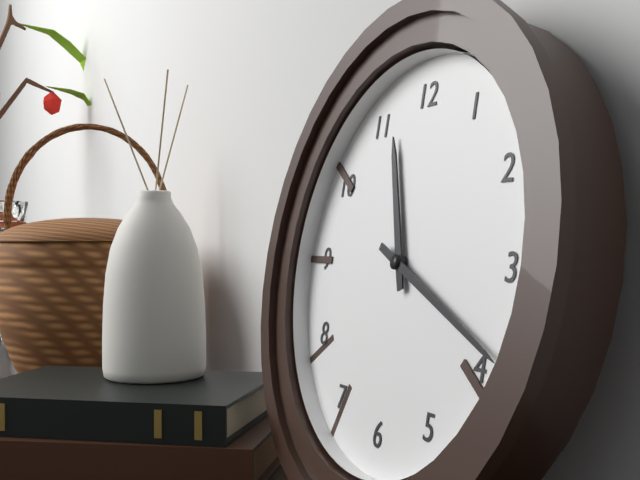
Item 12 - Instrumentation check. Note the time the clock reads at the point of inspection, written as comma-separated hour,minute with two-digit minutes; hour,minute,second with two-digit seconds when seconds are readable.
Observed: 11,19
